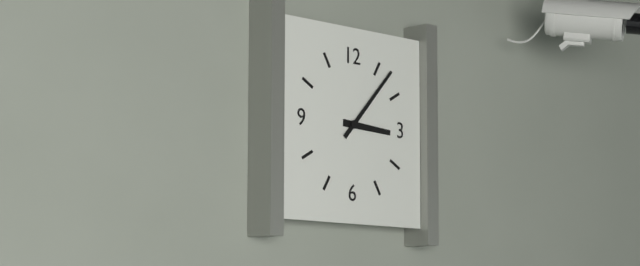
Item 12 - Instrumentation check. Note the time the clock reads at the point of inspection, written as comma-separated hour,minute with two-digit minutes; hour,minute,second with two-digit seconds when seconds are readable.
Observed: 3,07
